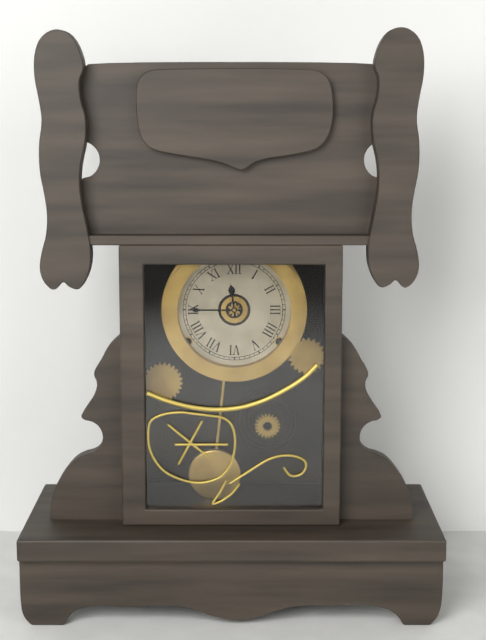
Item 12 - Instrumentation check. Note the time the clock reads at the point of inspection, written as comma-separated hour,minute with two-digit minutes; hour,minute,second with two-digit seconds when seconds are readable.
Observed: 11,45
